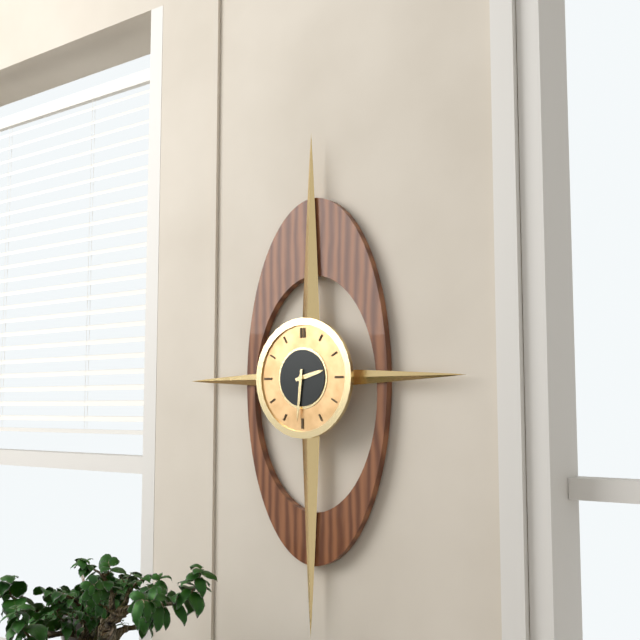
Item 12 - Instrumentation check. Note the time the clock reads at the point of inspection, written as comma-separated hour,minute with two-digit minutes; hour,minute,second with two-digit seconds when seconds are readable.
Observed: 2,31
